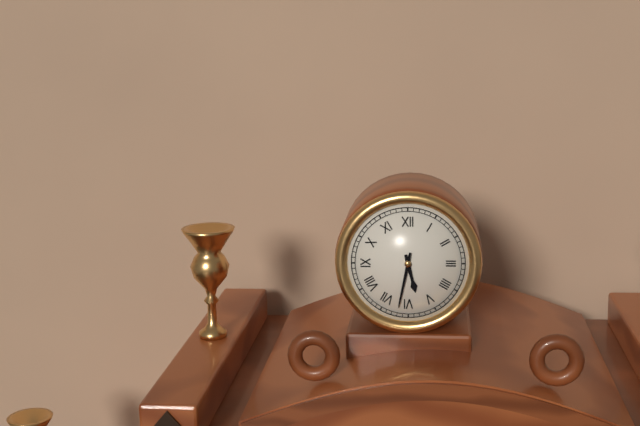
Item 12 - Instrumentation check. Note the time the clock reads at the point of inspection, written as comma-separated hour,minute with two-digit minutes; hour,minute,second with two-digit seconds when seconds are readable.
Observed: 5,32
